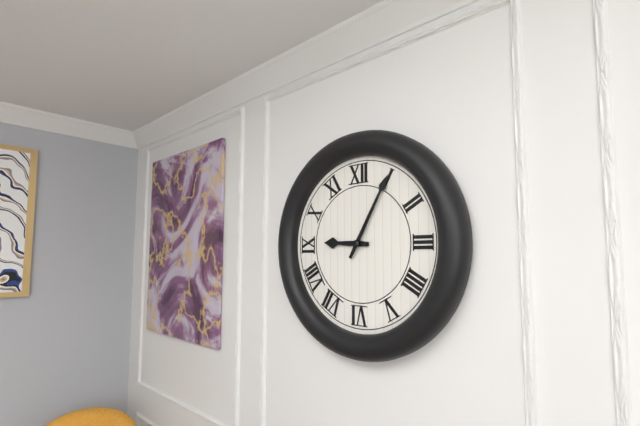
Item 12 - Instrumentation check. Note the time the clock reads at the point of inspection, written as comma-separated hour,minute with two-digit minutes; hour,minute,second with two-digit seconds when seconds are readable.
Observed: 9,05
